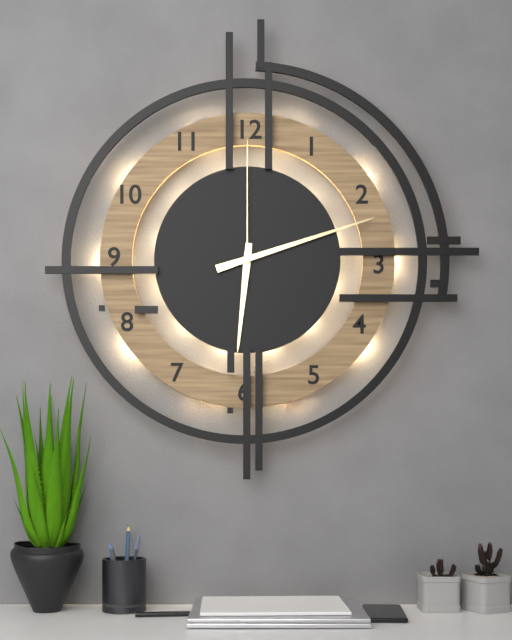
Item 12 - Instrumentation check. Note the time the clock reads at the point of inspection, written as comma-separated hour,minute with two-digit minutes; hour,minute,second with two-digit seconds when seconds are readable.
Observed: 6,12,00
